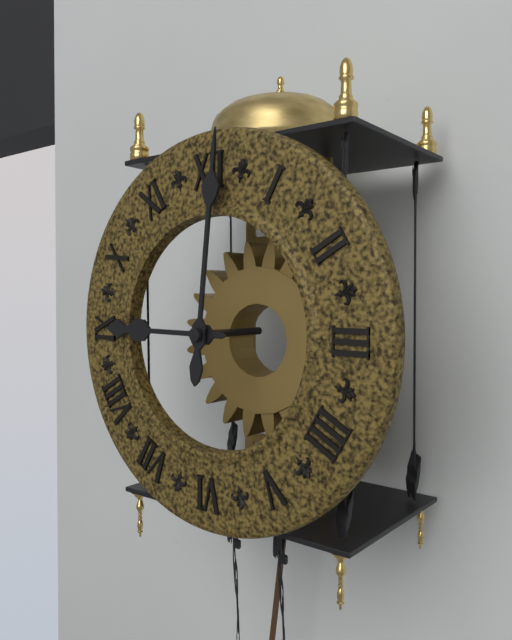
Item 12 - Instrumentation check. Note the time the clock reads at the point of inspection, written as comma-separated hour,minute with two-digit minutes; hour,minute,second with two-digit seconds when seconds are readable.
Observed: 9,01
